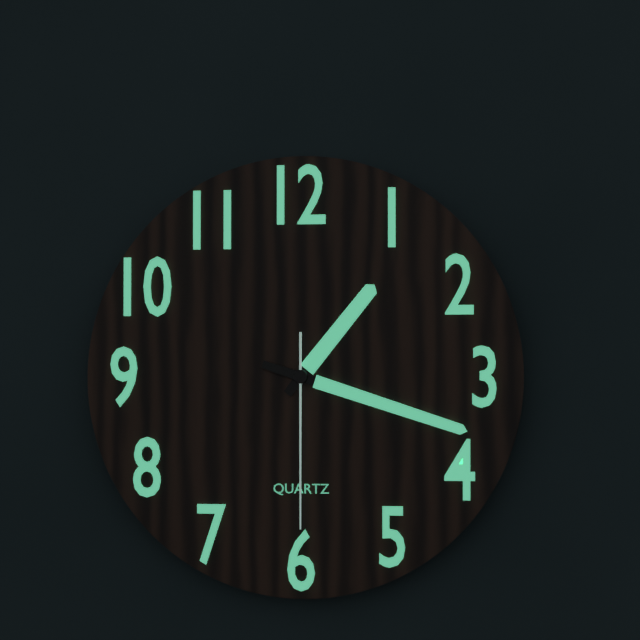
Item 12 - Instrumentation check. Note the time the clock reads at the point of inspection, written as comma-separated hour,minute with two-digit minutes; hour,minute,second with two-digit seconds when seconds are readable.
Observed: 1,18,30
